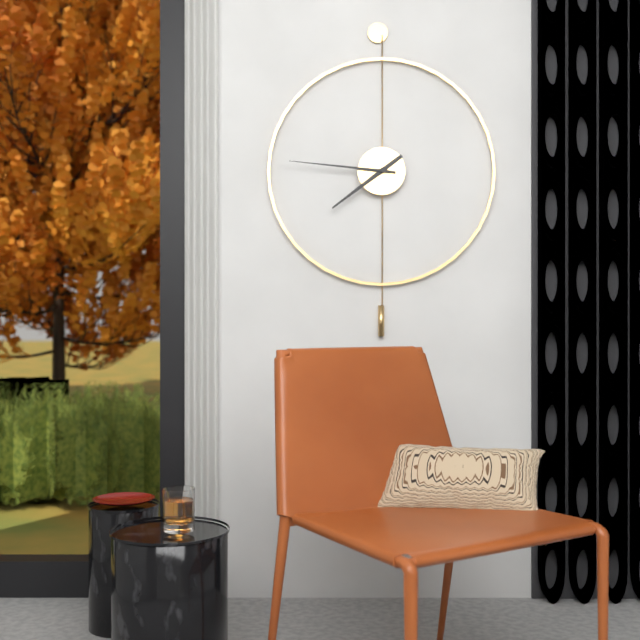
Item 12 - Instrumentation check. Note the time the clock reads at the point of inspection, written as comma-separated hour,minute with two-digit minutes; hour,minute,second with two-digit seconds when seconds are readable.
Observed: 7,46
